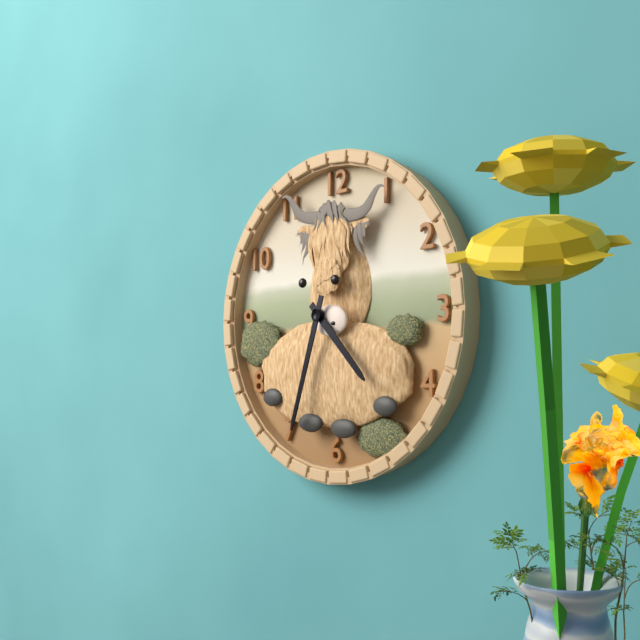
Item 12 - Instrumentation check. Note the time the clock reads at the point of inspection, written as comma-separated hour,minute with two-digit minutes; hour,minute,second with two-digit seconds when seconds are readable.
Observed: 4,33
